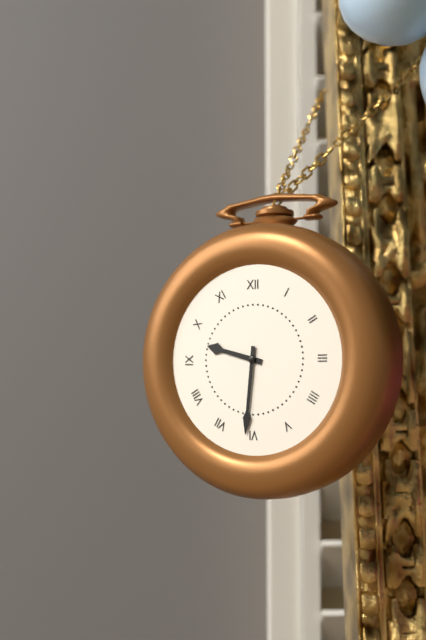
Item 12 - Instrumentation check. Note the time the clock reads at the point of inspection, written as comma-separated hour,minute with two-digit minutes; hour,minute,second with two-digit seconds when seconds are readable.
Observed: 9,31
